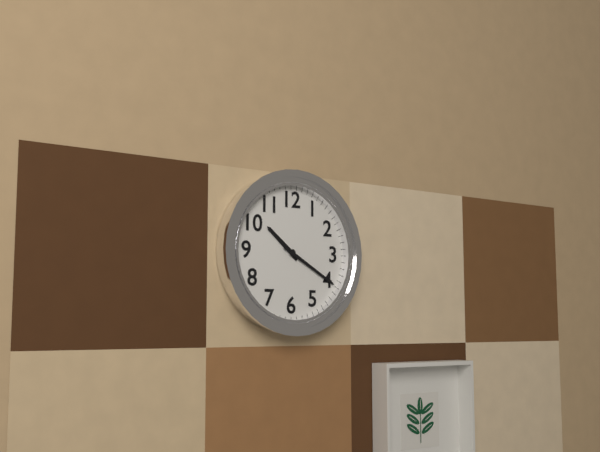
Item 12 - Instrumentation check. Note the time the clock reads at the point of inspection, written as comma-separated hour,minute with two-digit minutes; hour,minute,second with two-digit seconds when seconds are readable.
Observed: 10,20
